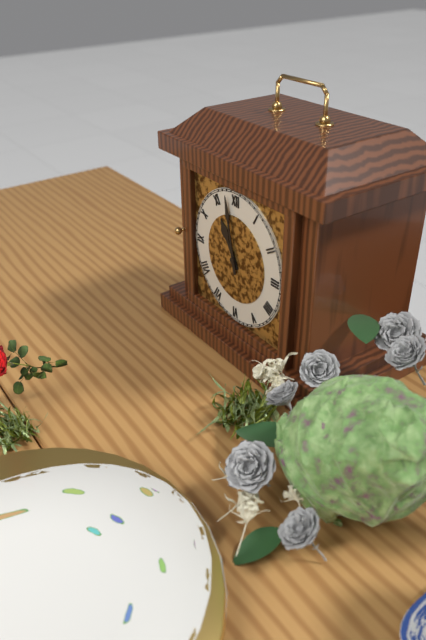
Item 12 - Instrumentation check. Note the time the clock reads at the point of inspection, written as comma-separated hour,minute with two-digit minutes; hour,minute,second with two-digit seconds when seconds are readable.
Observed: 10,58
